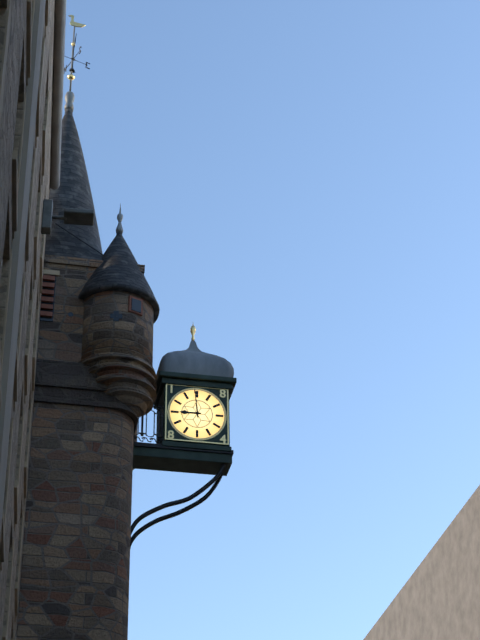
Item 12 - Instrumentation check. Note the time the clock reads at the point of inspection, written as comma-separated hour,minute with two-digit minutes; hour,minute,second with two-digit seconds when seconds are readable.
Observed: 8,59
